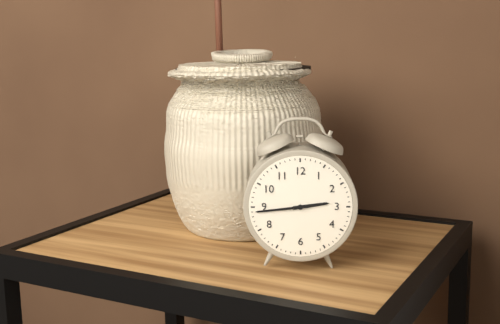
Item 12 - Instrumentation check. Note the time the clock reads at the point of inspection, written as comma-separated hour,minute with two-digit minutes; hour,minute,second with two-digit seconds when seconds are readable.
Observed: 2,44
